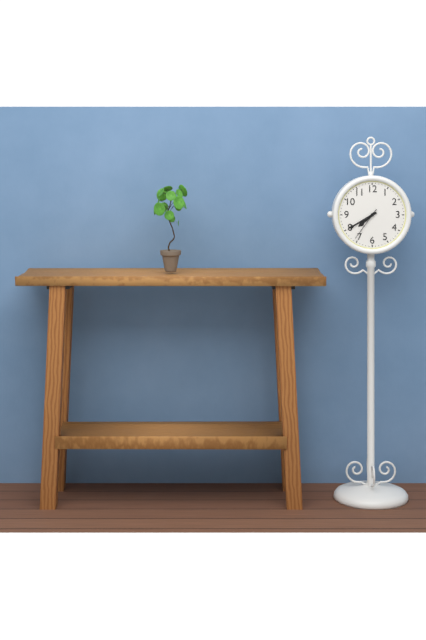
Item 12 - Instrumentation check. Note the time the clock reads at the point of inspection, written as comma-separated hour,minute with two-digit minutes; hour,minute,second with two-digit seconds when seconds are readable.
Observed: 7,40
